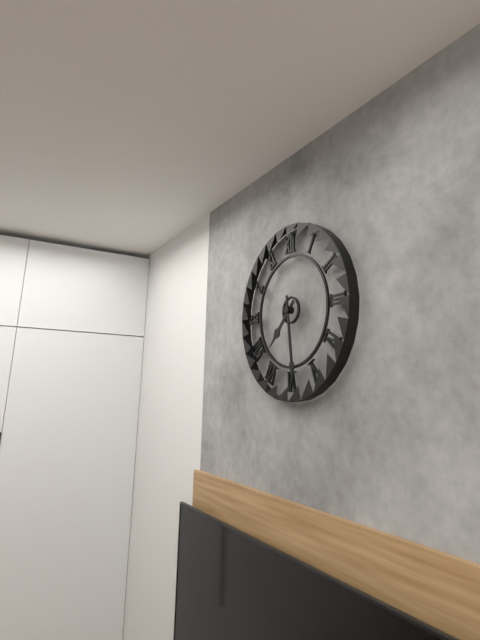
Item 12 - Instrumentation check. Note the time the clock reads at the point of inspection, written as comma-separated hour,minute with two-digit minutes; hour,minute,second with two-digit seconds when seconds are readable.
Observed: 7,29
